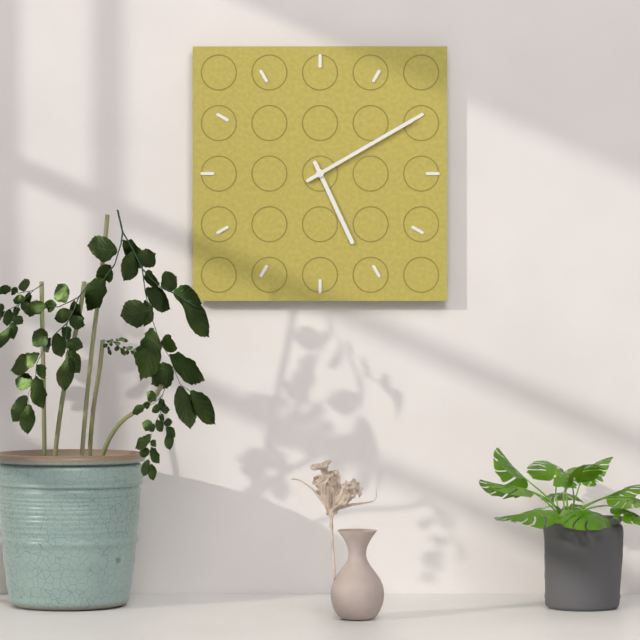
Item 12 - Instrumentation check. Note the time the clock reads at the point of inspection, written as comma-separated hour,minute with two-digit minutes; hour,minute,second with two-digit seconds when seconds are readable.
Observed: 5,10
